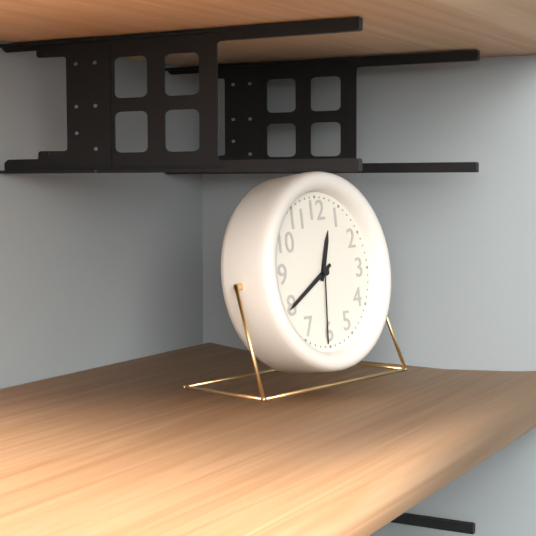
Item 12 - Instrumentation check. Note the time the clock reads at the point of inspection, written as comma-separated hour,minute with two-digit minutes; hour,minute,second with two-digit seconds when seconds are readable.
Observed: 12,40,31
